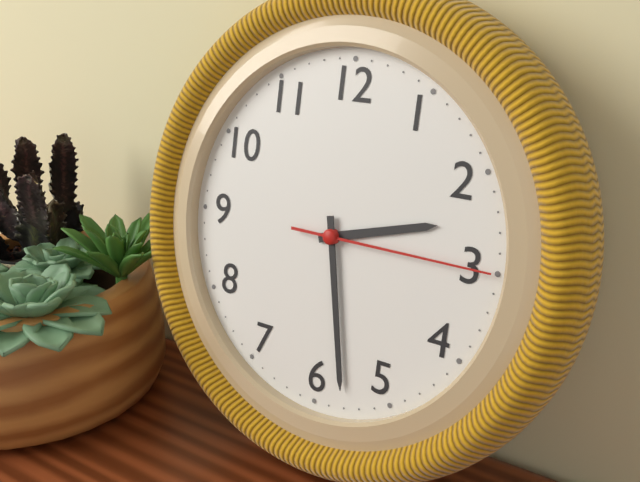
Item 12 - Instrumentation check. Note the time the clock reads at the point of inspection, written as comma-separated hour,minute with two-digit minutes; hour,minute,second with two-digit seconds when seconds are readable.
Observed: 2,28,15
